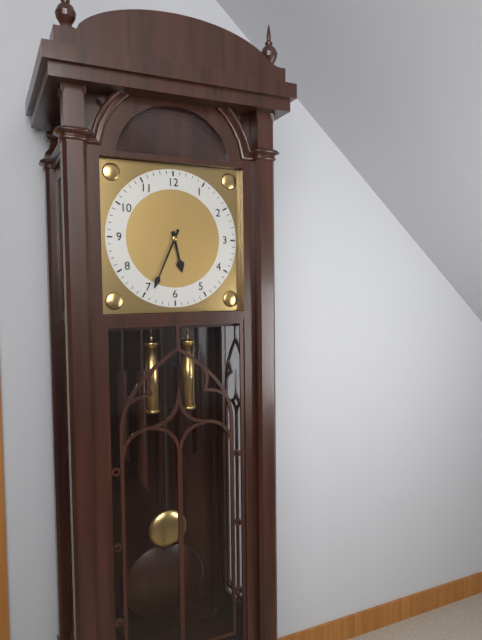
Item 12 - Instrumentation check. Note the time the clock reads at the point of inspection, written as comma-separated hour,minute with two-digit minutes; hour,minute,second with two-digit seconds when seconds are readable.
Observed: 5,34
